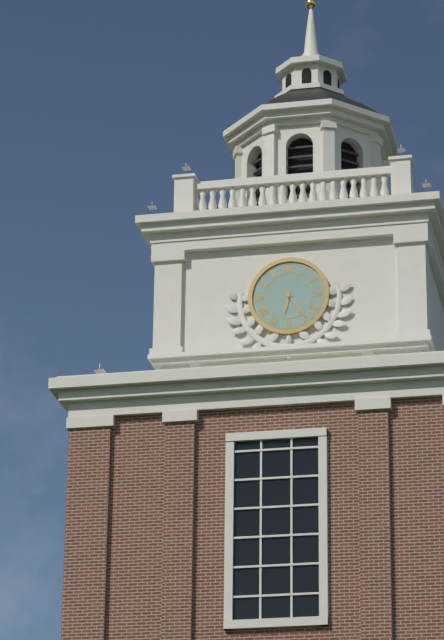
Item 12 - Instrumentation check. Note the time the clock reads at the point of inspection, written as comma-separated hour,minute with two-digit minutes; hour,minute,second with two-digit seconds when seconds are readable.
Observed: 6,24
